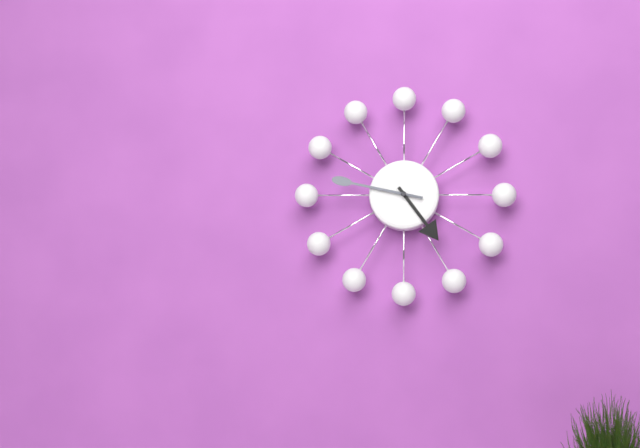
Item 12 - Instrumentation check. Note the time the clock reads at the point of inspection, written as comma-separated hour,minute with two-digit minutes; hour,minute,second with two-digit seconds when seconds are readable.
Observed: 4,47
